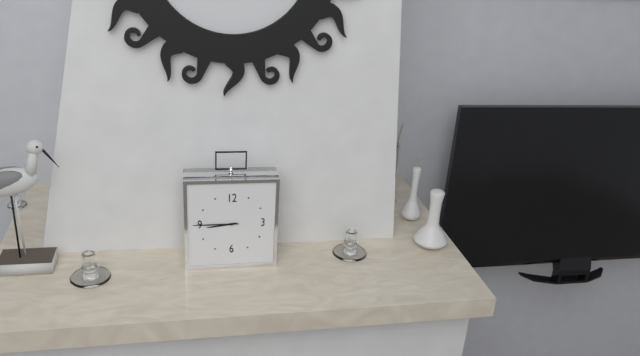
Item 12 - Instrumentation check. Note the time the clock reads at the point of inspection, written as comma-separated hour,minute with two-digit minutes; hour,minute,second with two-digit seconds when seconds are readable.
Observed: 8,45
